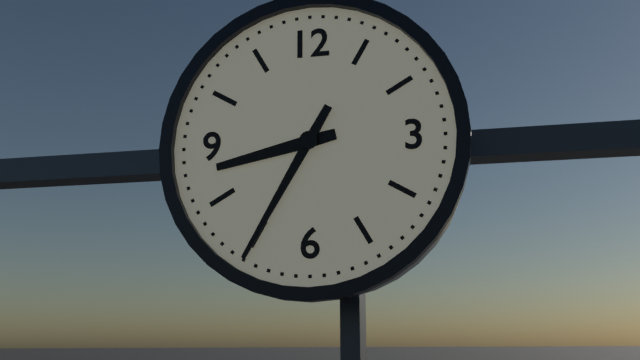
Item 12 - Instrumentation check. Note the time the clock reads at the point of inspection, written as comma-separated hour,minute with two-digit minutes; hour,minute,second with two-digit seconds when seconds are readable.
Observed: 8,35
